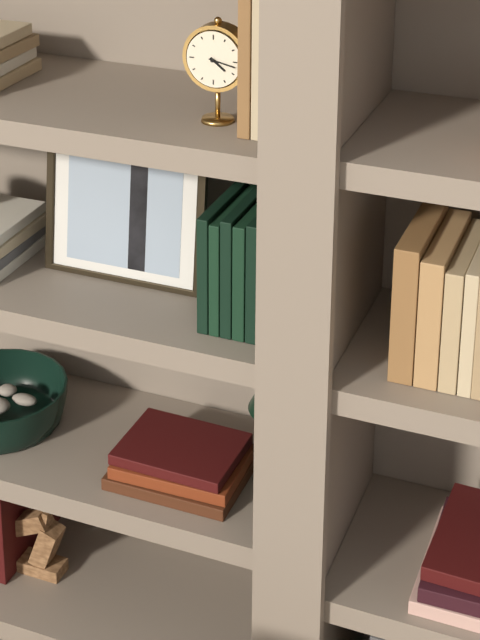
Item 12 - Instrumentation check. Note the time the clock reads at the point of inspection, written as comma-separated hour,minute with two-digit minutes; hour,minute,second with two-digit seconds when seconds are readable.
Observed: 4,17
